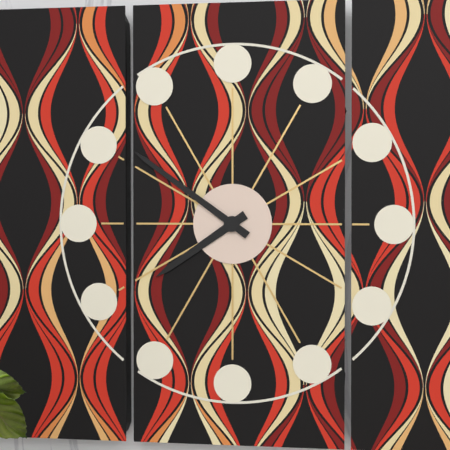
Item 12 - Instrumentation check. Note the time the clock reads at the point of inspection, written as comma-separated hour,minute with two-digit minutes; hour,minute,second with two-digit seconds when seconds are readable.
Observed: 7,51
